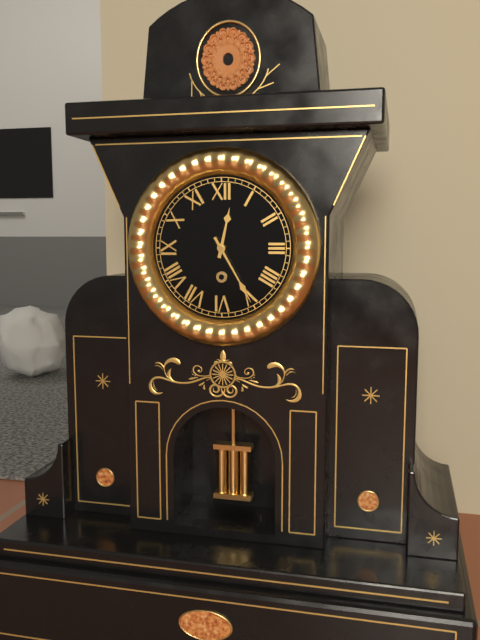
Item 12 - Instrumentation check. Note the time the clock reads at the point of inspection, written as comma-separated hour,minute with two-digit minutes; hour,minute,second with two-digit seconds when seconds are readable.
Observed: 12,25
